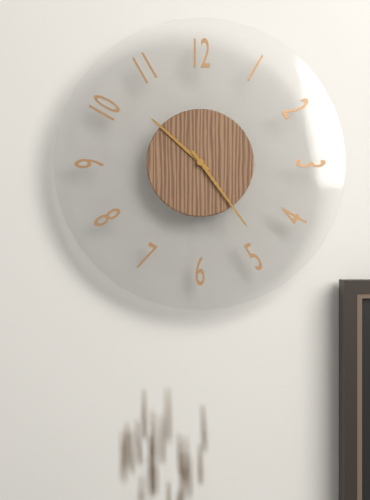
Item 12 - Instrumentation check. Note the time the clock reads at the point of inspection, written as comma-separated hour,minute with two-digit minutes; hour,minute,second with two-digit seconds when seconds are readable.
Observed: 10,24
